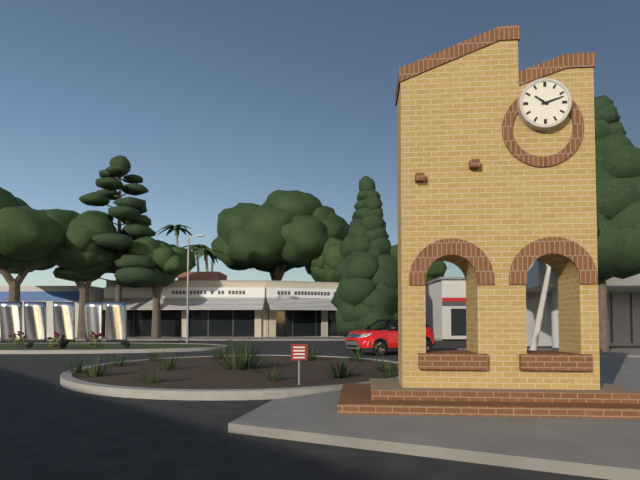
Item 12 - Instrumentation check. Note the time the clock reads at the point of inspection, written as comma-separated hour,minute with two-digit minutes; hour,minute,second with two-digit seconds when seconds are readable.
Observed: 10,12
